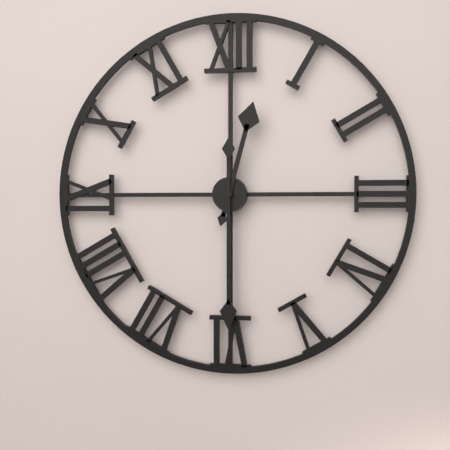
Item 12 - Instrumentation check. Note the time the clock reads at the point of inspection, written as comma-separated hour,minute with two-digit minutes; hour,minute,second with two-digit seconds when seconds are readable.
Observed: 12,30
